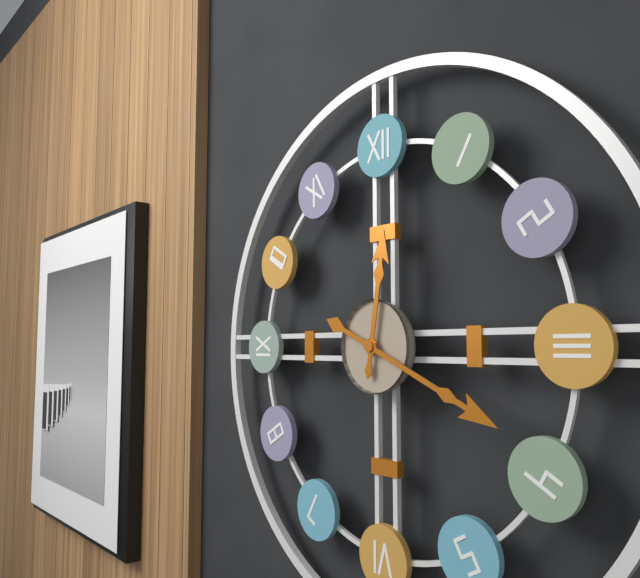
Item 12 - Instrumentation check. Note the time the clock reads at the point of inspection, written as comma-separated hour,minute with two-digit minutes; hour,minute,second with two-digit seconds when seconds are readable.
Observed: 12,19
